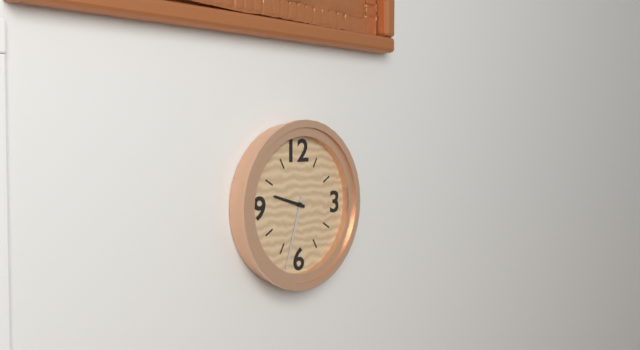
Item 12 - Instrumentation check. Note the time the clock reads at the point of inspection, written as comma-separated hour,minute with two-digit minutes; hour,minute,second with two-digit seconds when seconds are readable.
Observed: 9,33
